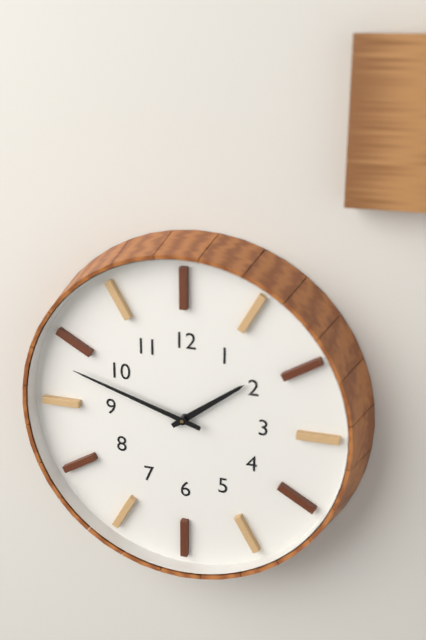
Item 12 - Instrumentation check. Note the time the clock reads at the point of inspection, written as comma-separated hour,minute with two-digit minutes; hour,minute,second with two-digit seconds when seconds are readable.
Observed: 1,48
